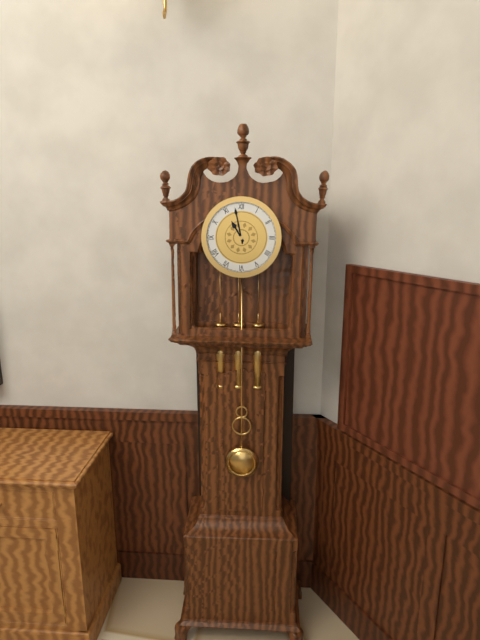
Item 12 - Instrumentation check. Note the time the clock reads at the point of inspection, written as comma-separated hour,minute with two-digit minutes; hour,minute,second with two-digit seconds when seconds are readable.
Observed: 10,58
